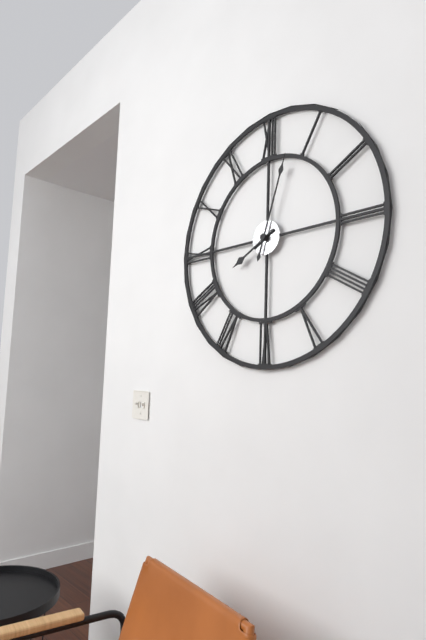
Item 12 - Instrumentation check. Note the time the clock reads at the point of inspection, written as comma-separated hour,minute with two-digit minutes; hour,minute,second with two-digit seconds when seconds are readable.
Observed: 8,03
